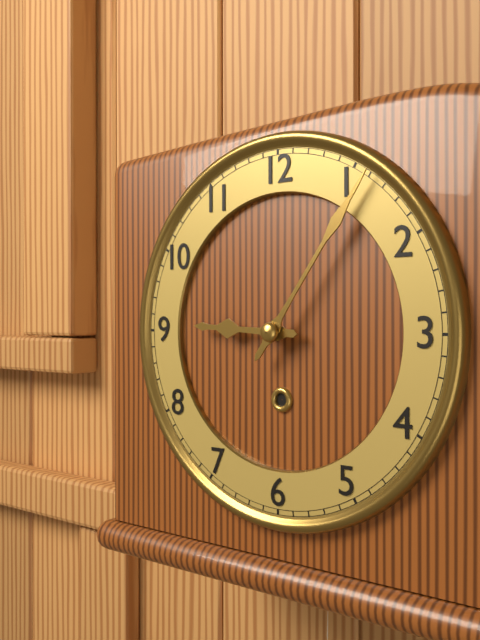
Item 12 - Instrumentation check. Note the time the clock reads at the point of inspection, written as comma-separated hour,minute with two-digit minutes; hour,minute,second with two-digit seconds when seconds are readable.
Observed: 9,06
